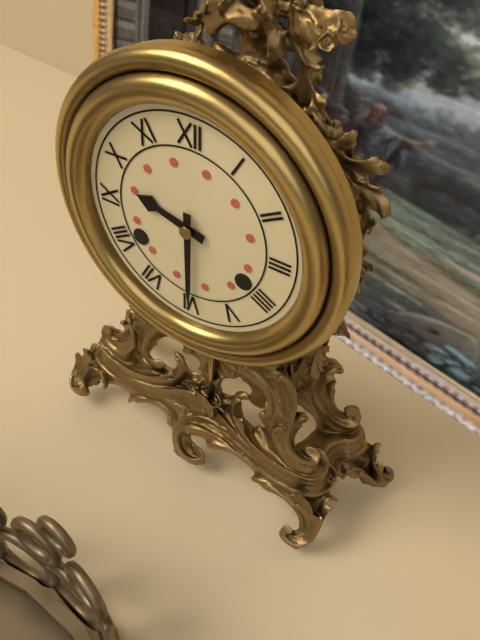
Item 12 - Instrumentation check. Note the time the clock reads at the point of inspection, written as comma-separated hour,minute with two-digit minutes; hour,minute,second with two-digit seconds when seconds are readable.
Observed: 9,30
